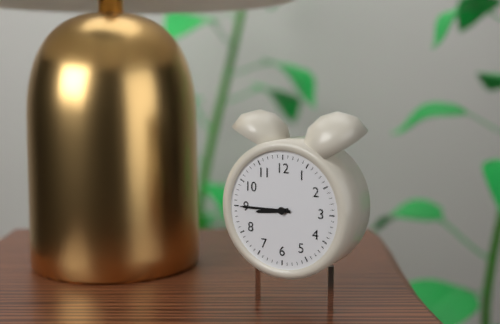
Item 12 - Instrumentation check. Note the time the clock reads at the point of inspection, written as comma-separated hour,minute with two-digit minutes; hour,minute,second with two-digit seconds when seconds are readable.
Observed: 8,45
